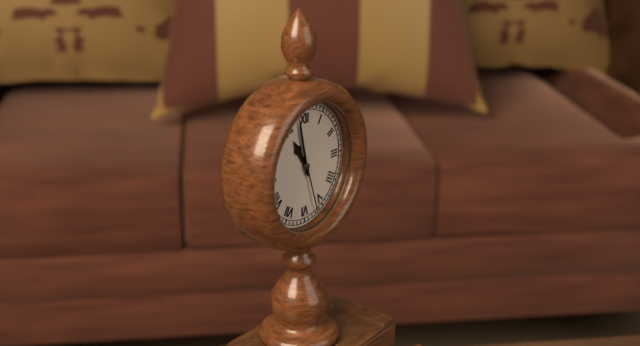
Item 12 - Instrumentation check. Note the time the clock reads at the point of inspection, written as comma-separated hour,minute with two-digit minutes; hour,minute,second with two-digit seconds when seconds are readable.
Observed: 10,58,27
